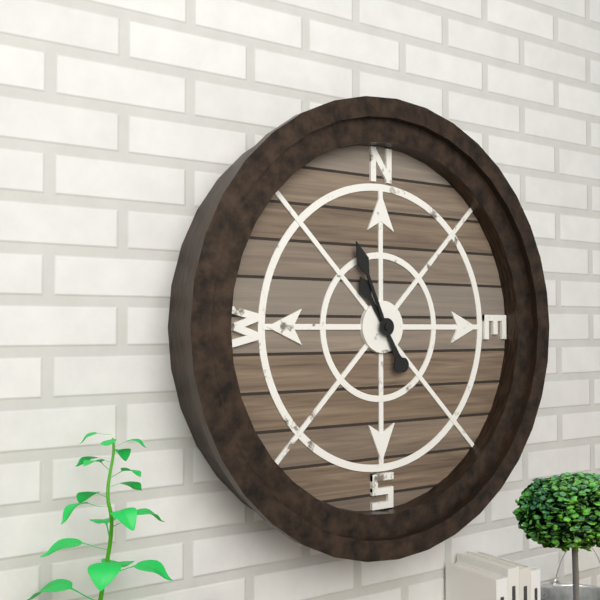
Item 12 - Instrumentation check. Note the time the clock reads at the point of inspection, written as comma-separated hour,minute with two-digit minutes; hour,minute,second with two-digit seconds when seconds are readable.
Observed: 10,56
